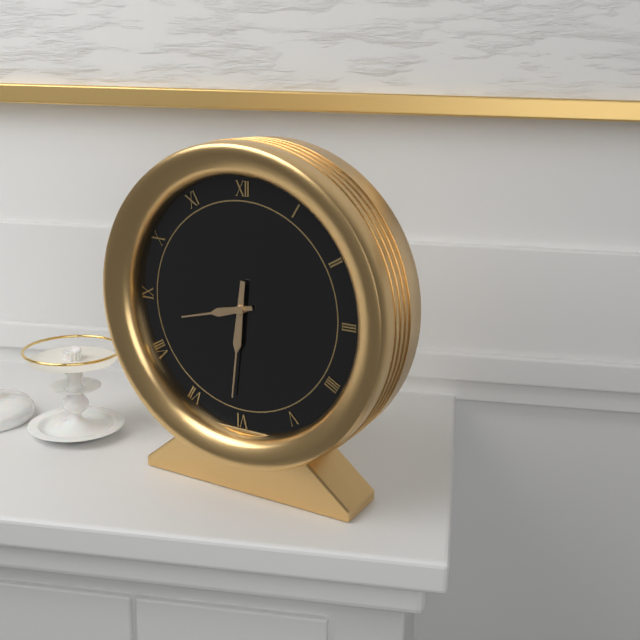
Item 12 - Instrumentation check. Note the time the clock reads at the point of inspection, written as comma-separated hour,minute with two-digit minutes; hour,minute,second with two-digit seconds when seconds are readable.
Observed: 8,31
